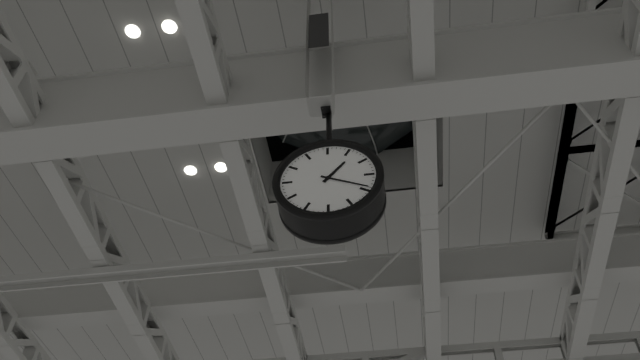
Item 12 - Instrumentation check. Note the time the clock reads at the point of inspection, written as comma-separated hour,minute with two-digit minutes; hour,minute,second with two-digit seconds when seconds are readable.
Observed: 1,19
